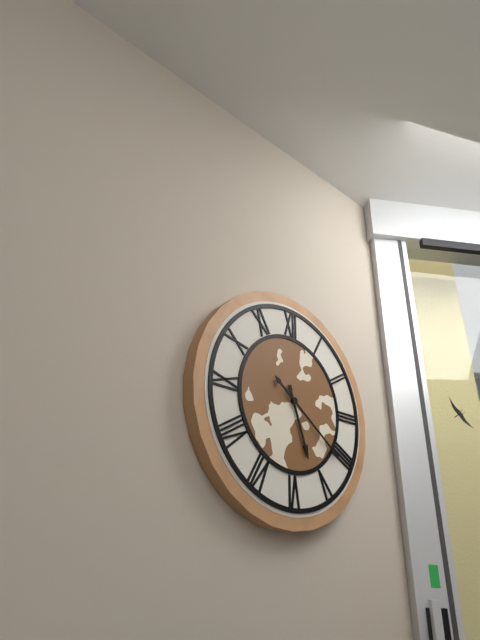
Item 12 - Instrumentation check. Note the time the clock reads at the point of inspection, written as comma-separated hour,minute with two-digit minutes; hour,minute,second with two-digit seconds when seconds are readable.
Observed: 5,21
